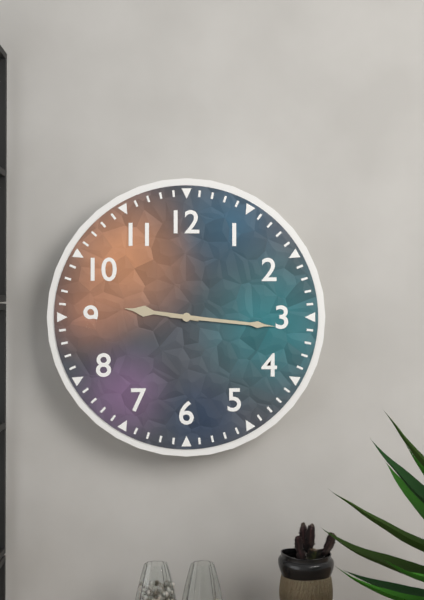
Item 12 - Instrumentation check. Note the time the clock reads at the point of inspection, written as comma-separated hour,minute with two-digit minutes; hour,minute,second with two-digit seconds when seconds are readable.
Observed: 9,16
